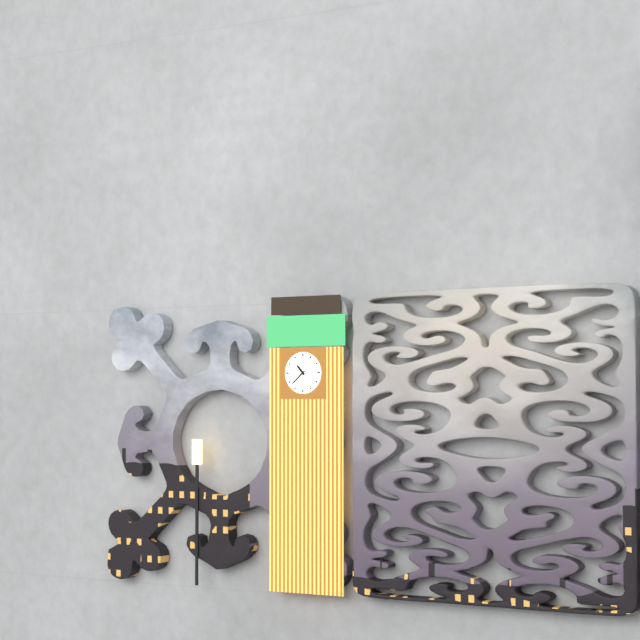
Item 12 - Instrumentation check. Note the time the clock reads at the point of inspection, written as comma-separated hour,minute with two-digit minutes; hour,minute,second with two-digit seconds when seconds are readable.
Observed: 10,38
